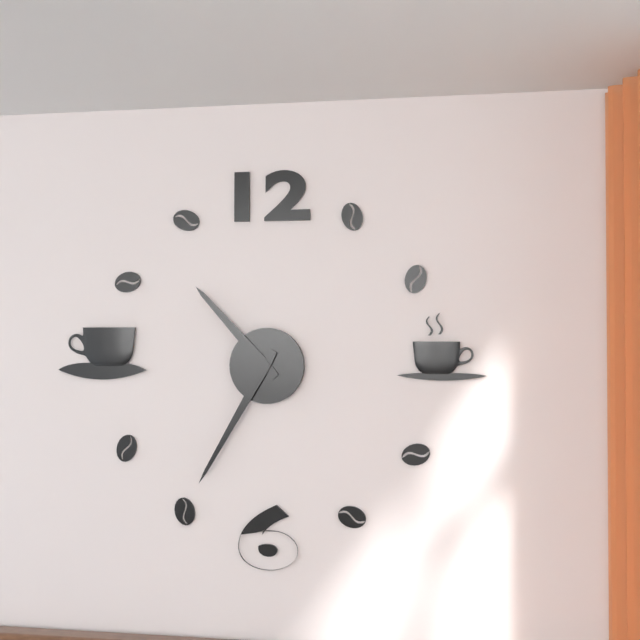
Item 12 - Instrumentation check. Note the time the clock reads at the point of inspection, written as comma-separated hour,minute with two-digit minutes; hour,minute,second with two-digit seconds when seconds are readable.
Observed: 10,35
